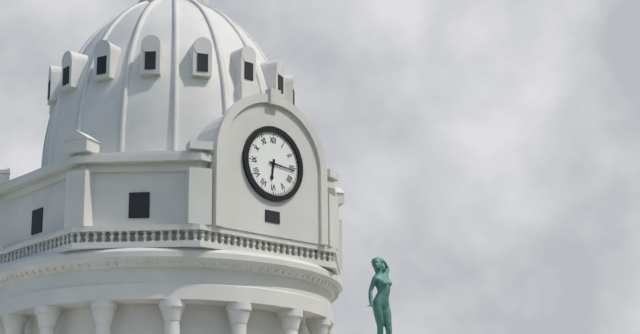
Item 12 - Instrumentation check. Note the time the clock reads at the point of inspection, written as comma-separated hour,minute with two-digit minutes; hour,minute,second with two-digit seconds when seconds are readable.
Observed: 6,16
